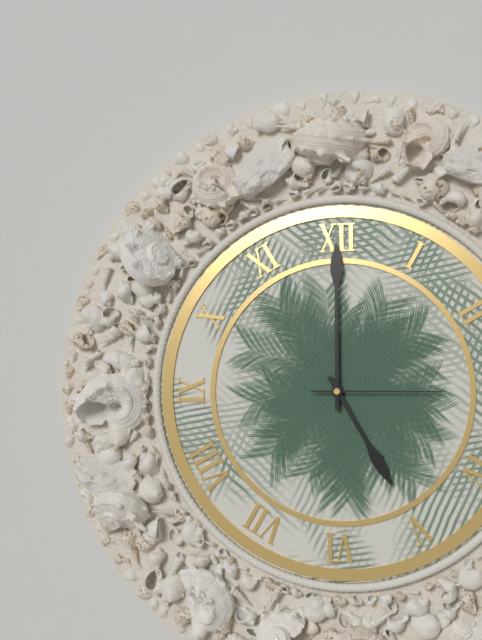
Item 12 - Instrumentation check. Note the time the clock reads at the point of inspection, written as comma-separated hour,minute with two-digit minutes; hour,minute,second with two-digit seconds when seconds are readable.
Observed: 5,00,15
